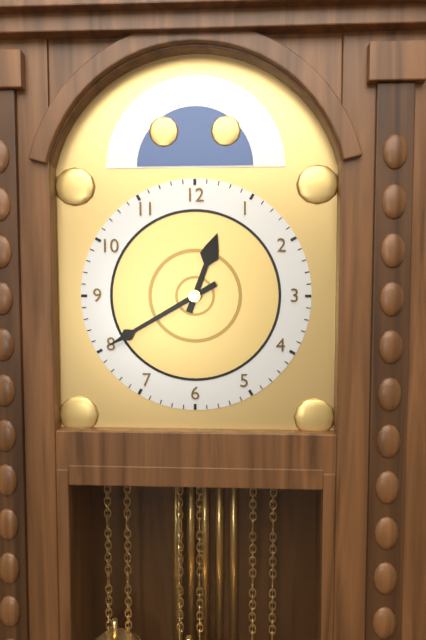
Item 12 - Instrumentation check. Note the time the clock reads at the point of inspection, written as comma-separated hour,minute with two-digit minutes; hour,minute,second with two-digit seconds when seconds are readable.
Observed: 12,40
